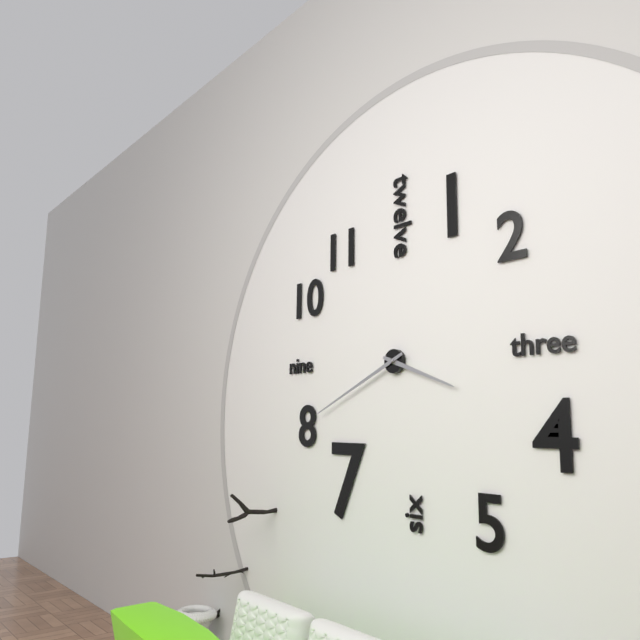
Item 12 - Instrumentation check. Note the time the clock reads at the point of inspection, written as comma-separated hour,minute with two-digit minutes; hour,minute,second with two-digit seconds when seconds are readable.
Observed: 3,41
